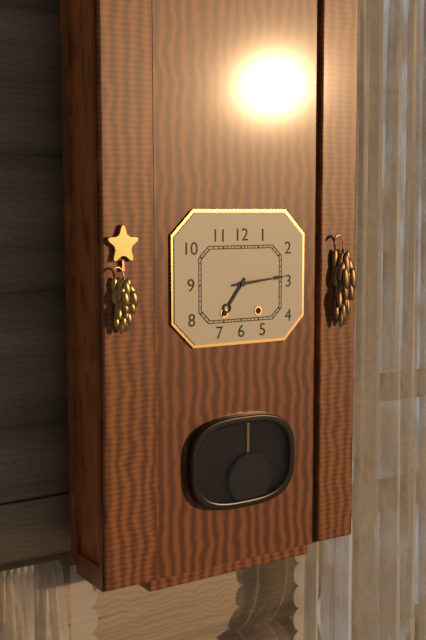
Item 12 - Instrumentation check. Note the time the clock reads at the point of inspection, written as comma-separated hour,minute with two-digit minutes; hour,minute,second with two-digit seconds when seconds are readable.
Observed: 7,14
